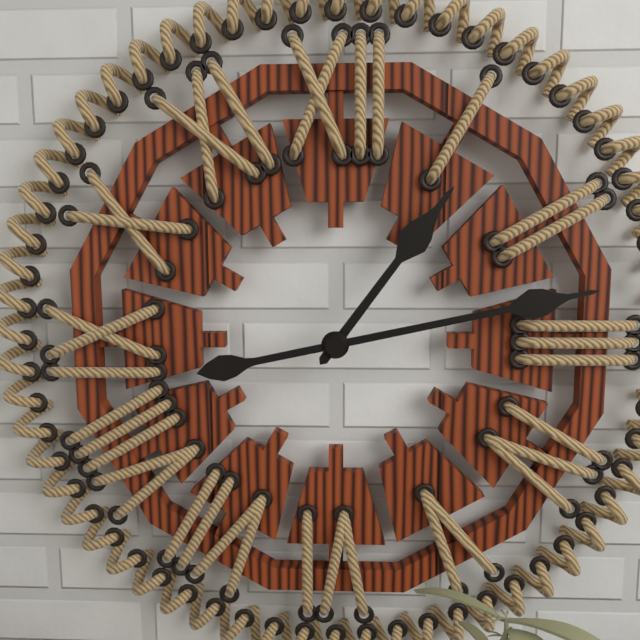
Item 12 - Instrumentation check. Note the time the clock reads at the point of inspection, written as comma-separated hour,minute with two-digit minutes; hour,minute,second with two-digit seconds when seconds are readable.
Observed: 1,13
